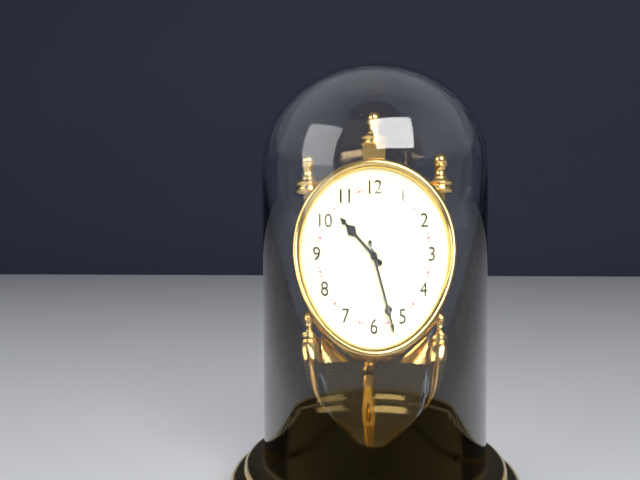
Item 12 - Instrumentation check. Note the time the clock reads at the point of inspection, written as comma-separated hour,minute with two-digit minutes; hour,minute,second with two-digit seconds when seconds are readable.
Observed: 10,27
